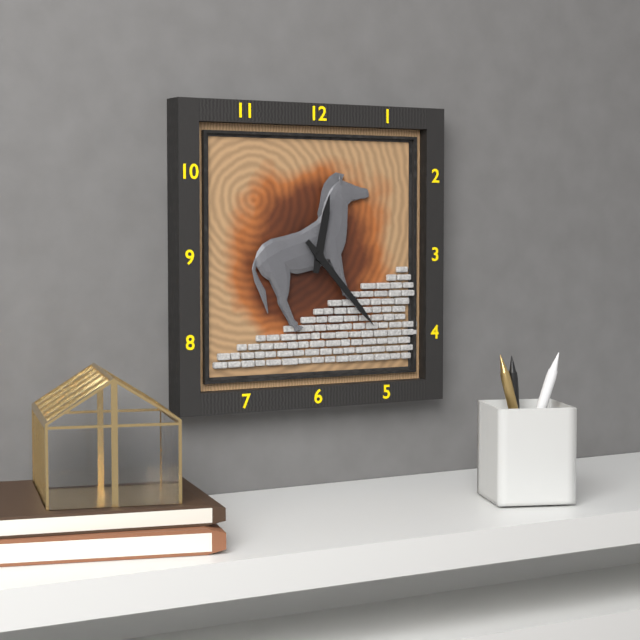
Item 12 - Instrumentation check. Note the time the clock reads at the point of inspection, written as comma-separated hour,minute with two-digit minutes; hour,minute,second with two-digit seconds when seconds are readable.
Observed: 12,23
